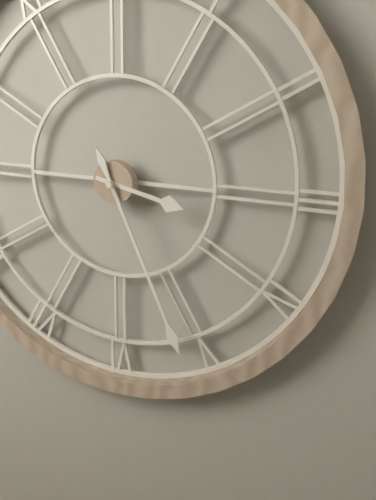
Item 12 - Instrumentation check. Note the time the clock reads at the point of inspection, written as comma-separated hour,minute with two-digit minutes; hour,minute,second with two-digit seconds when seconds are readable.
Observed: 3,26
